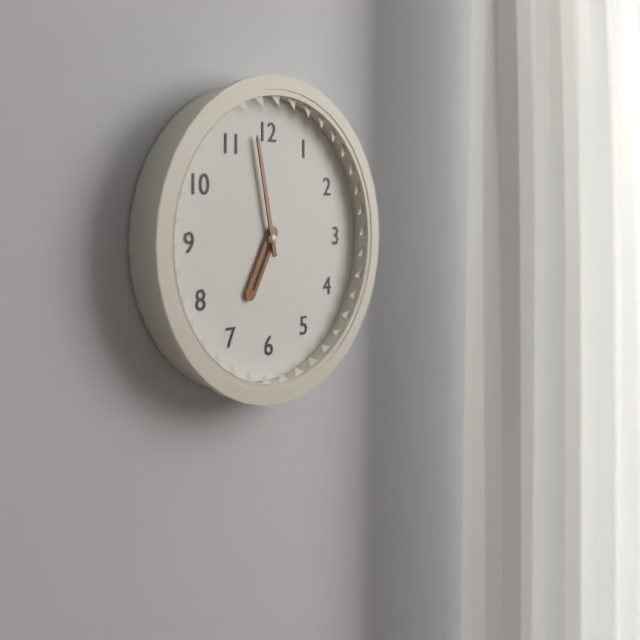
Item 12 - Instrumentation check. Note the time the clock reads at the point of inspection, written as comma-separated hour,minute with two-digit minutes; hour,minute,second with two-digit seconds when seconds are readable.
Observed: 6,58
